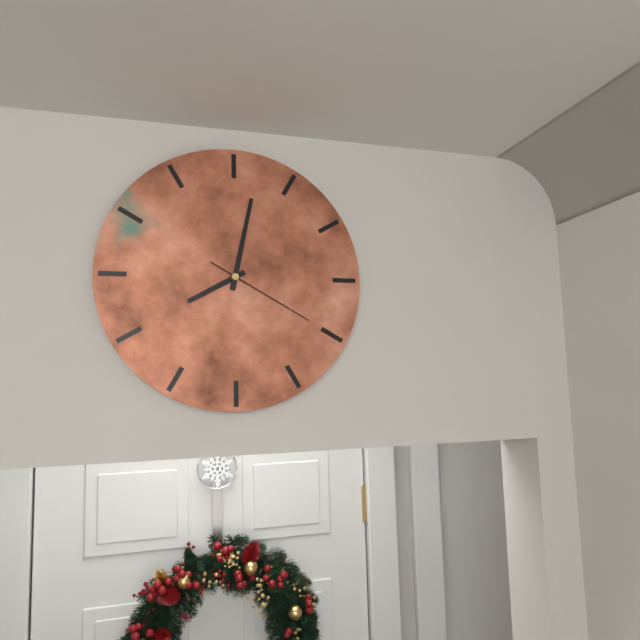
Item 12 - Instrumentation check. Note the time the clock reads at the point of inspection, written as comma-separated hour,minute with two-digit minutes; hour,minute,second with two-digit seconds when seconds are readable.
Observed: 8,02,20
